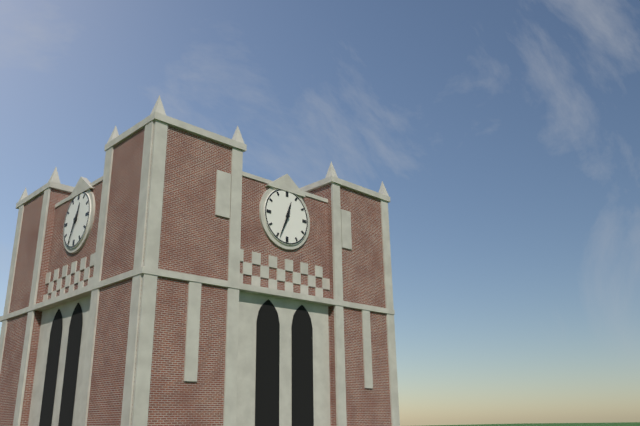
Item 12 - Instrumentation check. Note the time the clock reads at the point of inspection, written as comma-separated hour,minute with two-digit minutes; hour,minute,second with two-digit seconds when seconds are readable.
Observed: 12,34
